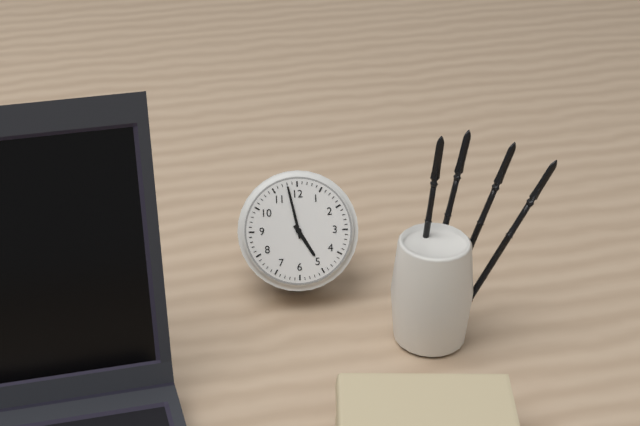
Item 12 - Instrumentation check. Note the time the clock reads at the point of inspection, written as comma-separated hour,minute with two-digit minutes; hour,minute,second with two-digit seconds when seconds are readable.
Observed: 4,58
